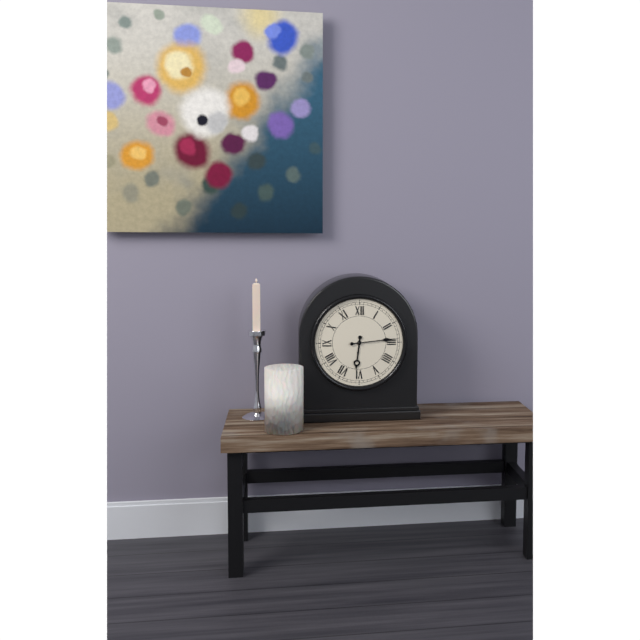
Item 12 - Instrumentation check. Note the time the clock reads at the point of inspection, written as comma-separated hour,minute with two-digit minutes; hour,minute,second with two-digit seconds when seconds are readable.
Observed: 6,14
